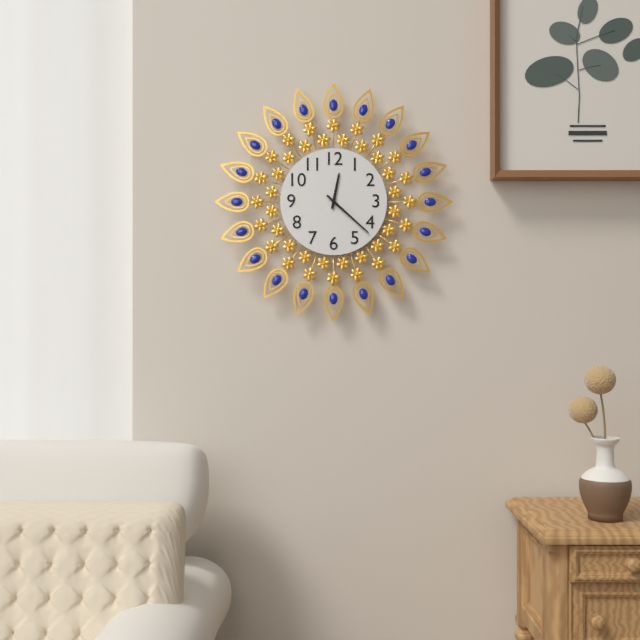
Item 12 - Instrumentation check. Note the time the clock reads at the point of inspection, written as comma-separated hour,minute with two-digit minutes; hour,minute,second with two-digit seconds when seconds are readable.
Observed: 12,22
